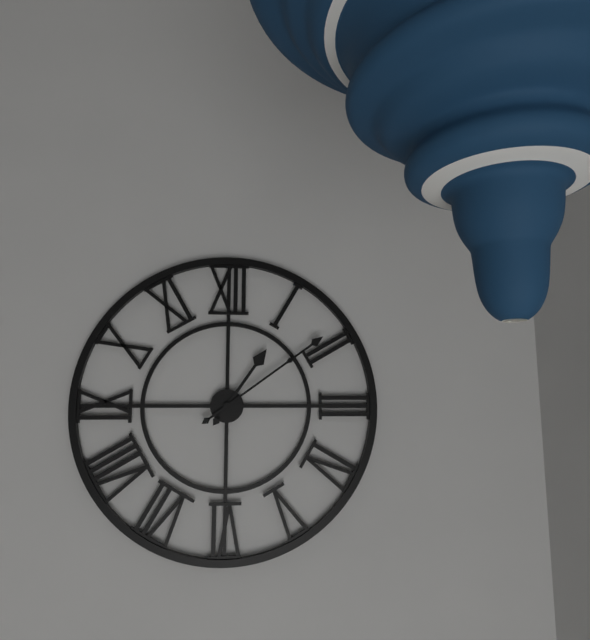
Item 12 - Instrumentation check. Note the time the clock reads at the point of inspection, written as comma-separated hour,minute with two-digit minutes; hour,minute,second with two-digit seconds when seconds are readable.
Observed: 1,09
